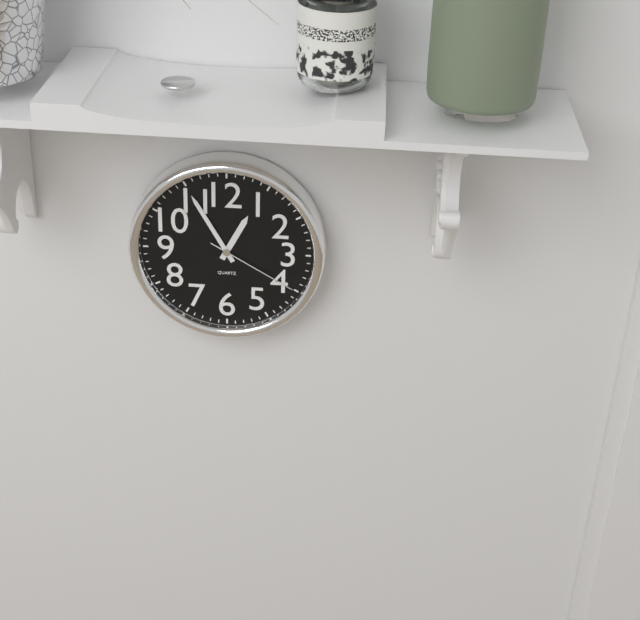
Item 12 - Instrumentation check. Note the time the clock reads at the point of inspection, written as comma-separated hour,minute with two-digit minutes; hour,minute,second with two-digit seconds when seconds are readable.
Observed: 12,55,20
